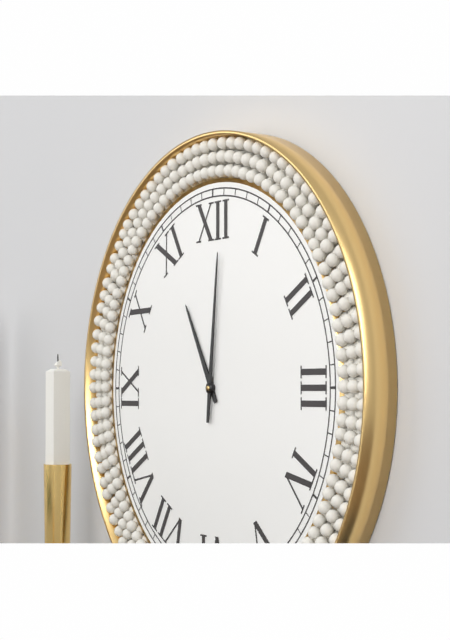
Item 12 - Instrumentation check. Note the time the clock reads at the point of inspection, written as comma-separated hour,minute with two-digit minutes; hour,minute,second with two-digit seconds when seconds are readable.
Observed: 11,01
